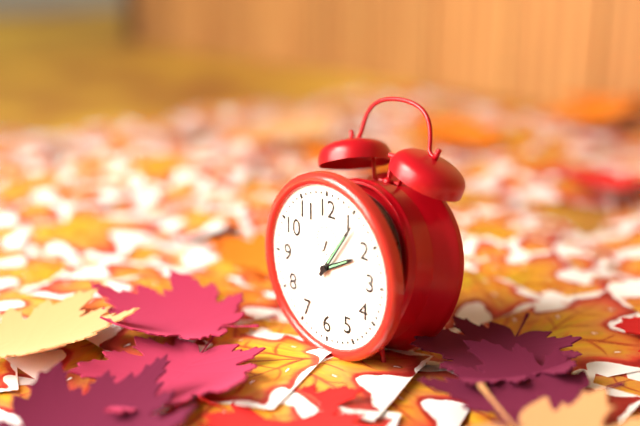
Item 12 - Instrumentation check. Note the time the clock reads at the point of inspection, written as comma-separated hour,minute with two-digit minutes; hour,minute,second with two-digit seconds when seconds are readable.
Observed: 2,06
